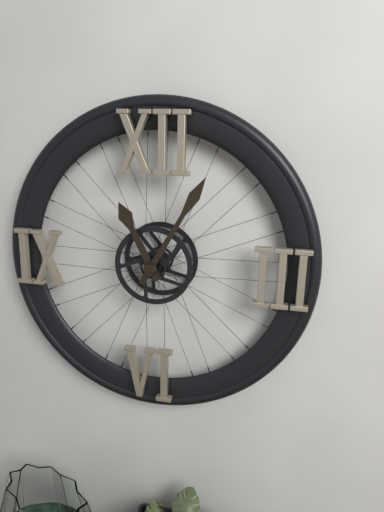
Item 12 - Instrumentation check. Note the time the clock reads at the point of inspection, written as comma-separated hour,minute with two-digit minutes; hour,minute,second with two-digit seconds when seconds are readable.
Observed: 11,05
